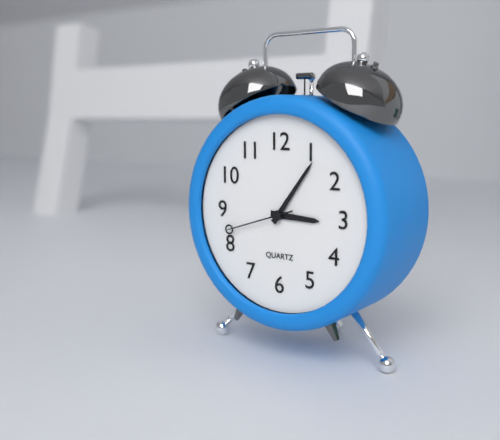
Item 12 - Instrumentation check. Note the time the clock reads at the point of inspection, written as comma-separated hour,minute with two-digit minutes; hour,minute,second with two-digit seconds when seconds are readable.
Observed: 3,06,42
